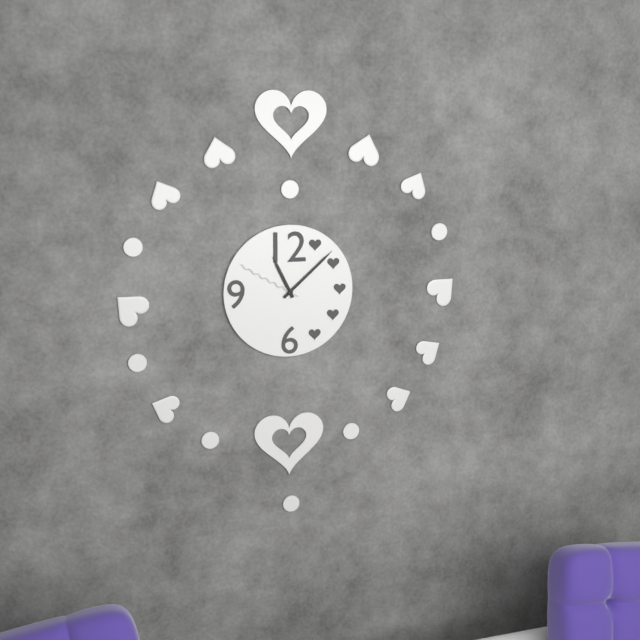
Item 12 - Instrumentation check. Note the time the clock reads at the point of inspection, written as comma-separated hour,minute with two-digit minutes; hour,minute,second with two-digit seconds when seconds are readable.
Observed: 11,08,50
